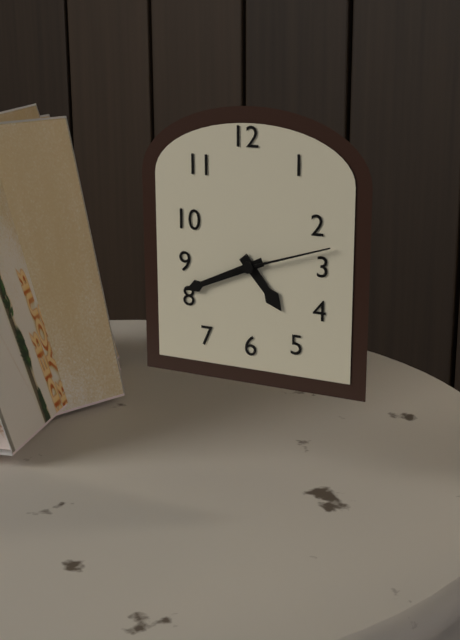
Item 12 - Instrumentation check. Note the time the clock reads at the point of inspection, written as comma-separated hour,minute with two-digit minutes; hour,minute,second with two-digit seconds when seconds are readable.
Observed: 4,41,12
